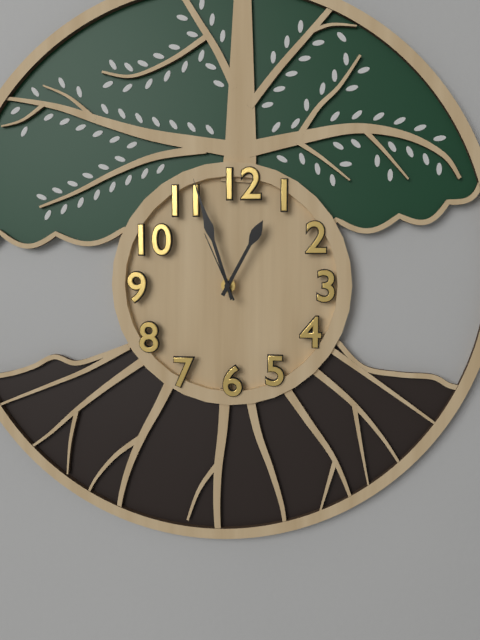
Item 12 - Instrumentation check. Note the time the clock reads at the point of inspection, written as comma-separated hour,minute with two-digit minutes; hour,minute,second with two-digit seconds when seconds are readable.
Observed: 12,57,56
